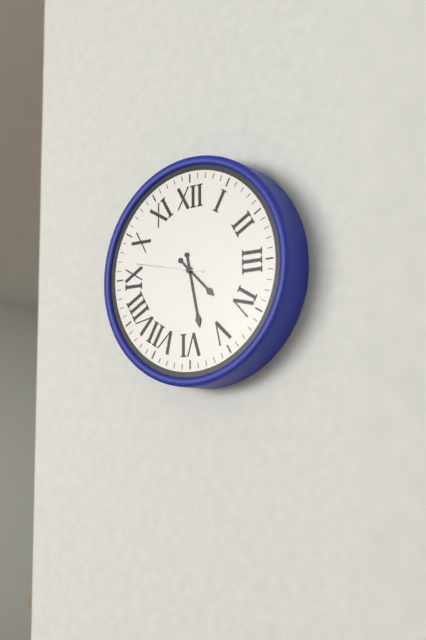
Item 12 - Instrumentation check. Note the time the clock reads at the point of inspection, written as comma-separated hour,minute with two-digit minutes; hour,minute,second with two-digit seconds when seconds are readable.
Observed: 4,28,47
